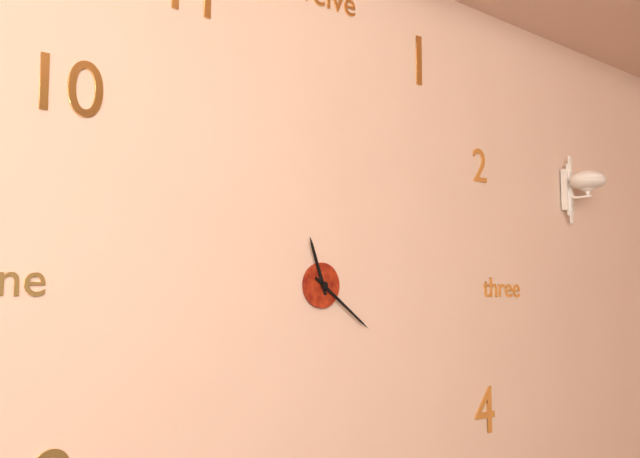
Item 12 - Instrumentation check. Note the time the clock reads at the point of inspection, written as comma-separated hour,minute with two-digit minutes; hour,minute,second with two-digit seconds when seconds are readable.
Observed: 11,21
